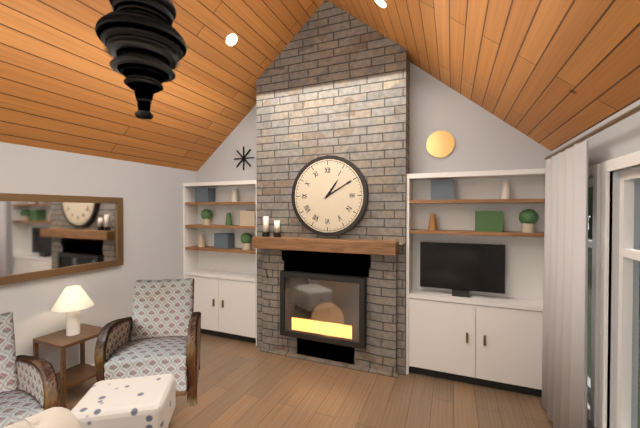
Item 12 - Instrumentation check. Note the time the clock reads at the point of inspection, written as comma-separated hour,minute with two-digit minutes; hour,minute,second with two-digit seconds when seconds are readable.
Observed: 1,10
